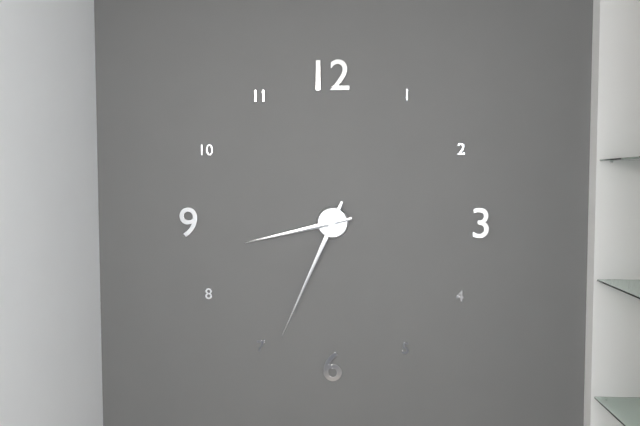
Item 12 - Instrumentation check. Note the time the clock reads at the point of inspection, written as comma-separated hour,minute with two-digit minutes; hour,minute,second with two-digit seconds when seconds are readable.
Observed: 8,34
